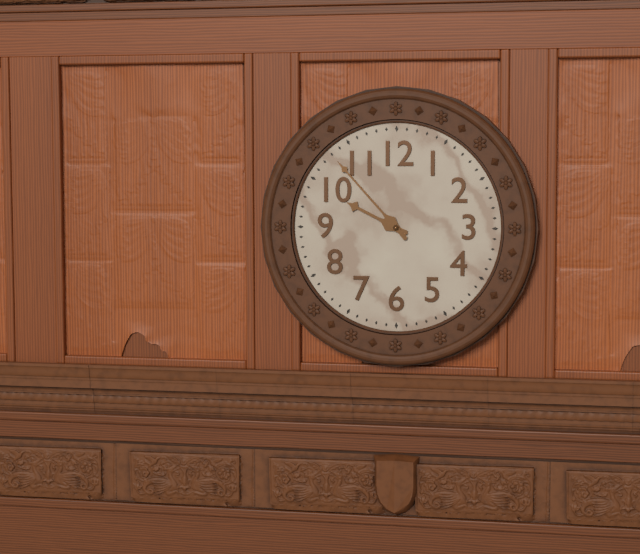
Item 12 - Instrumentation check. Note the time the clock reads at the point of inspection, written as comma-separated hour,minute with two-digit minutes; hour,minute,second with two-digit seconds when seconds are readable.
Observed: 9,53
